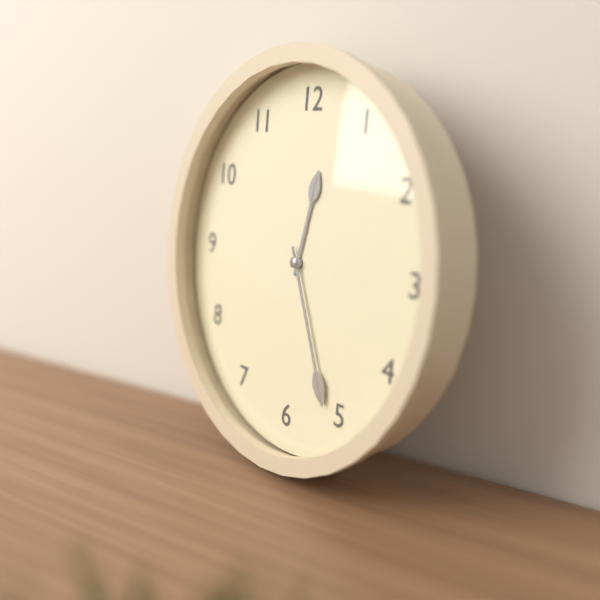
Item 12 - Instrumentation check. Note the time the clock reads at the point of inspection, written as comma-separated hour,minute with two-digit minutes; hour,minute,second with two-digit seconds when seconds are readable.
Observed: 12,26
